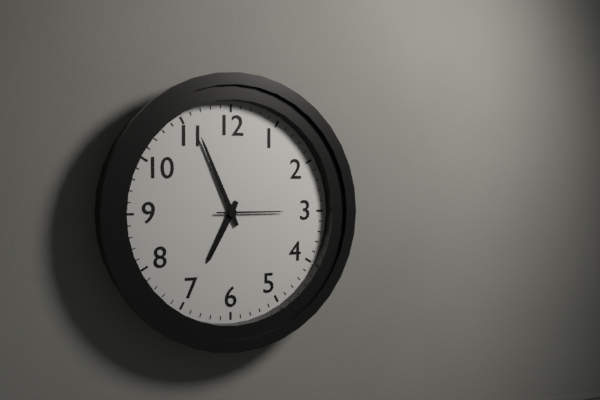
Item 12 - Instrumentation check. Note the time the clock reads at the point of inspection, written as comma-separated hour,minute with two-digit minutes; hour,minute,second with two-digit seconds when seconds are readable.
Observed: 6,56,15
